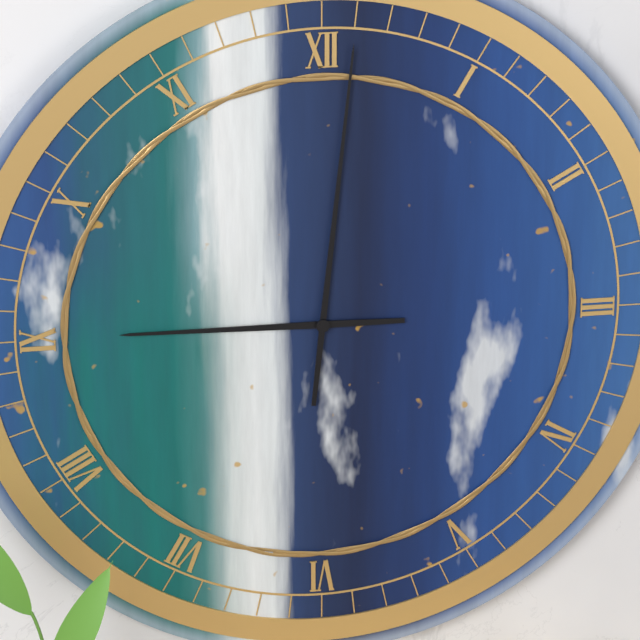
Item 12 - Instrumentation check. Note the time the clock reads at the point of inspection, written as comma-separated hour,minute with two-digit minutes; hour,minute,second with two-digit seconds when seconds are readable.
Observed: 9,01
